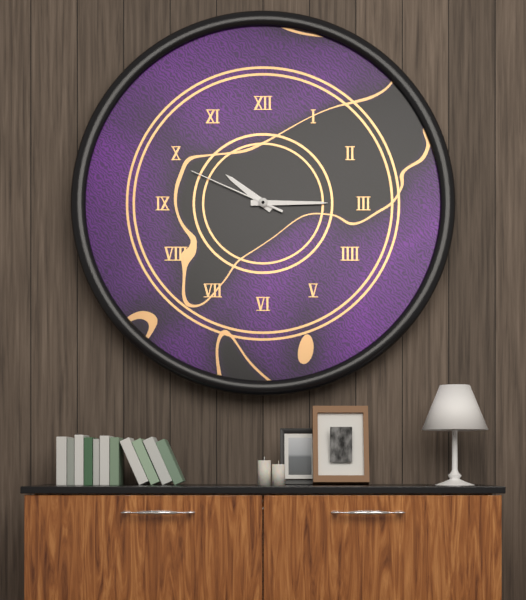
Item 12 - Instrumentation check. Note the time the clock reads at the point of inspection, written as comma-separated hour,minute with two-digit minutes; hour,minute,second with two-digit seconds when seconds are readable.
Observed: 10,15,49
